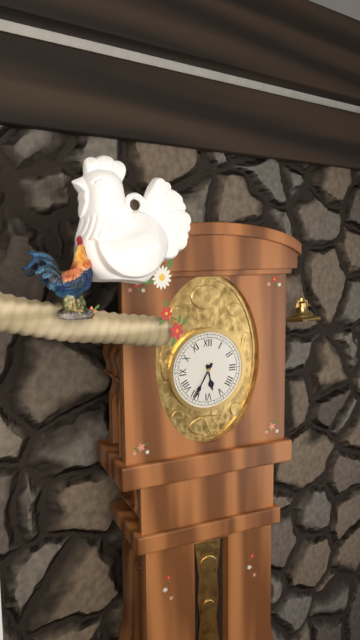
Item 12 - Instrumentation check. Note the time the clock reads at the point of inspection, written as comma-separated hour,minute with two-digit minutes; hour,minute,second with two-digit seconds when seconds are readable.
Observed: 5,35
